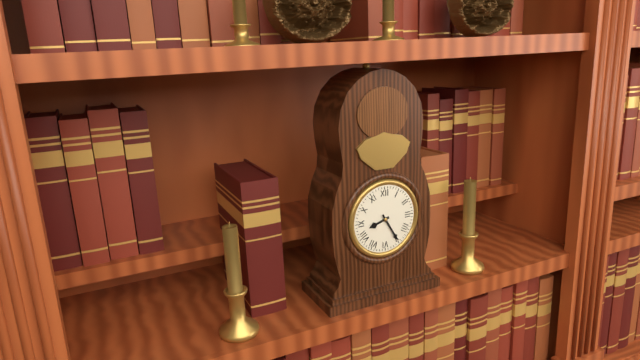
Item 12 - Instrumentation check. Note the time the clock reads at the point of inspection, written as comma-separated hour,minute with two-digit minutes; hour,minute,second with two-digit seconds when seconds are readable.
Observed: 8,25
